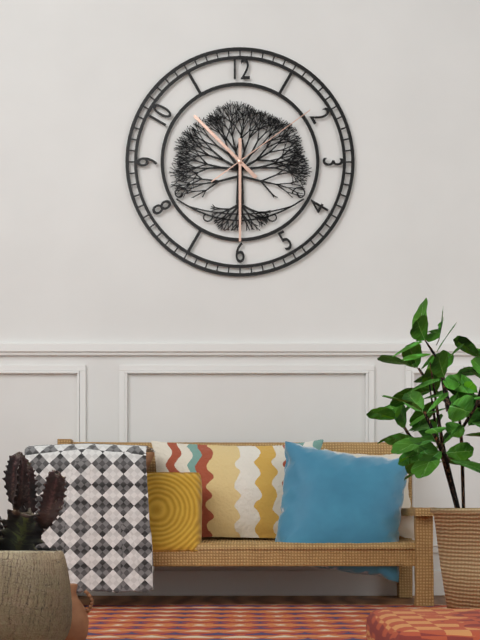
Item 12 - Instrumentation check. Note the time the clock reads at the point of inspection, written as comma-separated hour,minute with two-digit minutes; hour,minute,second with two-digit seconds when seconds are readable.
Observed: 10,30,09
